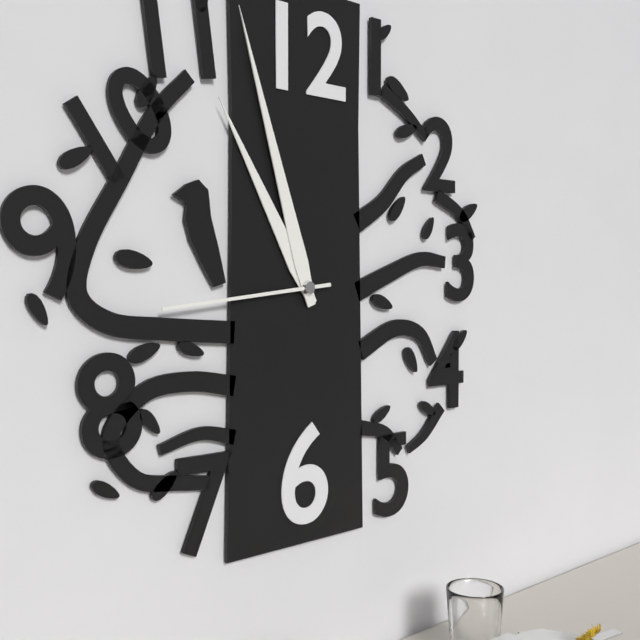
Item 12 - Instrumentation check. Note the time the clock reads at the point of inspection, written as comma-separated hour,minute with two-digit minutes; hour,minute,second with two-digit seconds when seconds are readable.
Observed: 10,57,44
